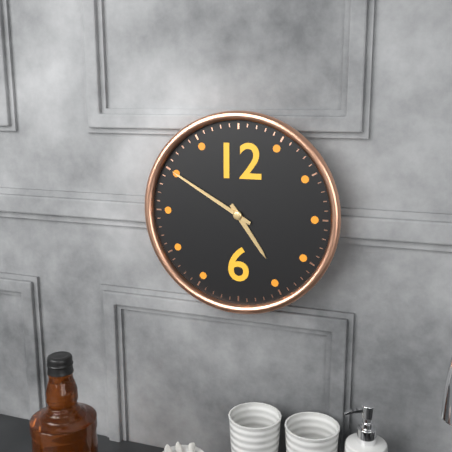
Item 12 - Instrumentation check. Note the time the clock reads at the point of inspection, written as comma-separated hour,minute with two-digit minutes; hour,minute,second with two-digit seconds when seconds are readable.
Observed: 4,50
